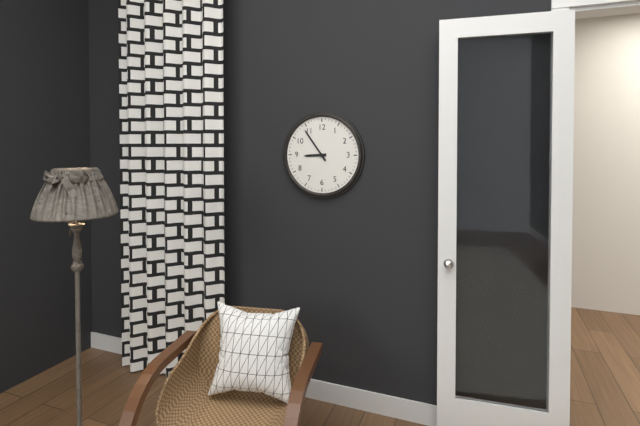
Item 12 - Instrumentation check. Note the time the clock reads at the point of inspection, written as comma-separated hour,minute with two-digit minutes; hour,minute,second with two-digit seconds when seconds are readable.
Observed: 8,54
